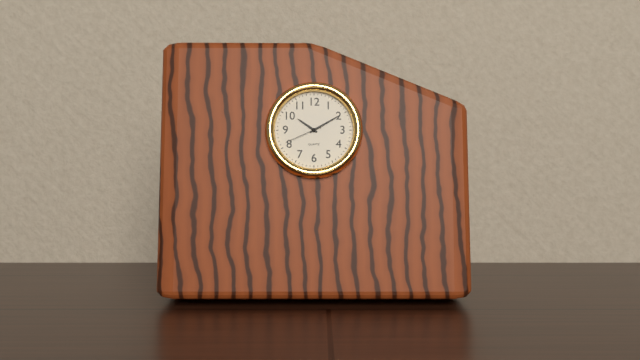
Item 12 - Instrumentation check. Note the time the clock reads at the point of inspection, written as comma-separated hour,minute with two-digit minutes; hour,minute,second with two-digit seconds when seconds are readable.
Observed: 10,10
